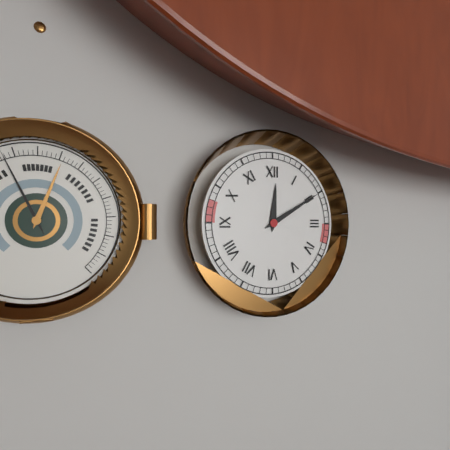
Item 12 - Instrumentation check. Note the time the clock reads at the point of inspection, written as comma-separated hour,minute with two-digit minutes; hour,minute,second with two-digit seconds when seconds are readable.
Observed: 12,10
